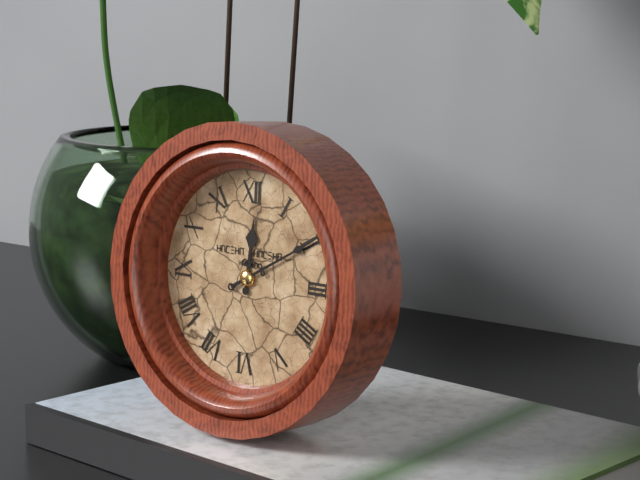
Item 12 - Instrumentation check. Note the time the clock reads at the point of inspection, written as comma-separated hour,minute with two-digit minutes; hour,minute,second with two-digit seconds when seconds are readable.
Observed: 12,10
